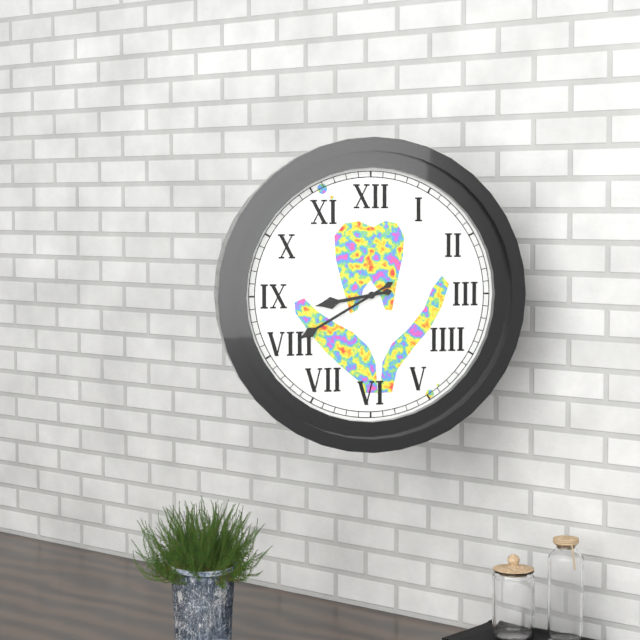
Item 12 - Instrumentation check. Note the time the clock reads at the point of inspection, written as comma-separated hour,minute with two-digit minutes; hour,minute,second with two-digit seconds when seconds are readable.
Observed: 8,40
